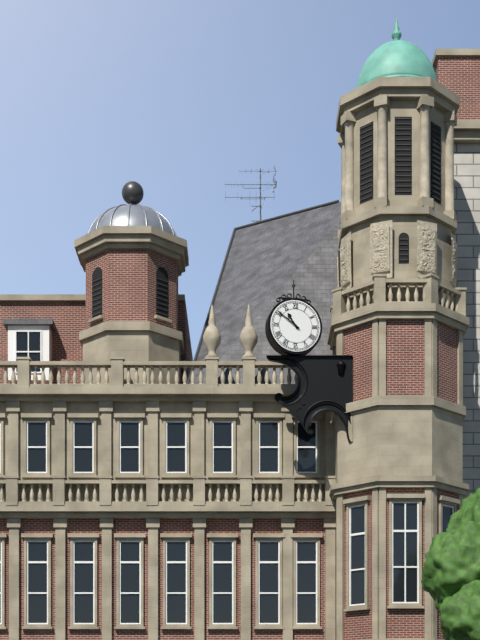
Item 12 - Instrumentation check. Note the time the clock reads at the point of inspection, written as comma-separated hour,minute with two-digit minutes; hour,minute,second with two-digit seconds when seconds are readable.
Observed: 10,51
